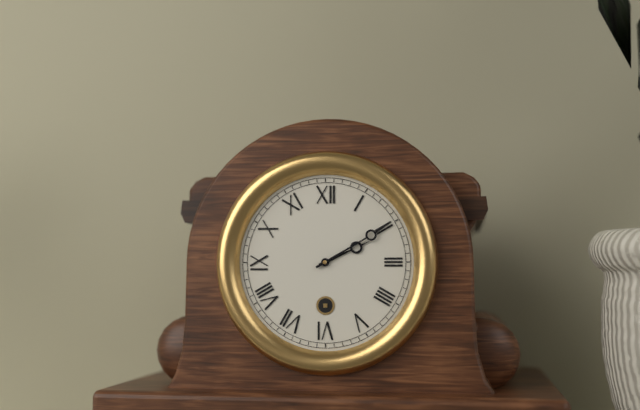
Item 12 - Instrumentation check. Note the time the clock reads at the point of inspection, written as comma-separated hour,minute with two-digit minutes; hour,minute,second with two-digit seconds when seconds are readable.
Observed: 2,10
